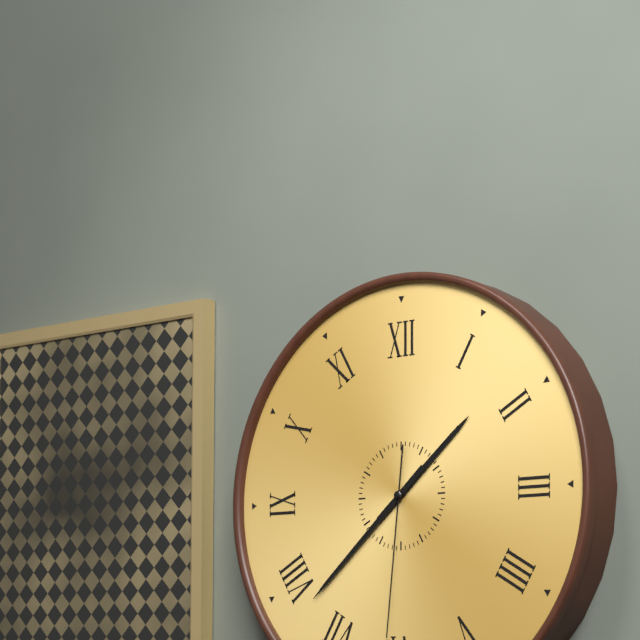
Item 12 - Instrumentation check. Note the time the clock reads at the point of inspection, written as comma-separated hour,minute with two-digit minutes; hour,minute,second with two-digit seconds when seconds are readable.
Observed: 1,38,31
